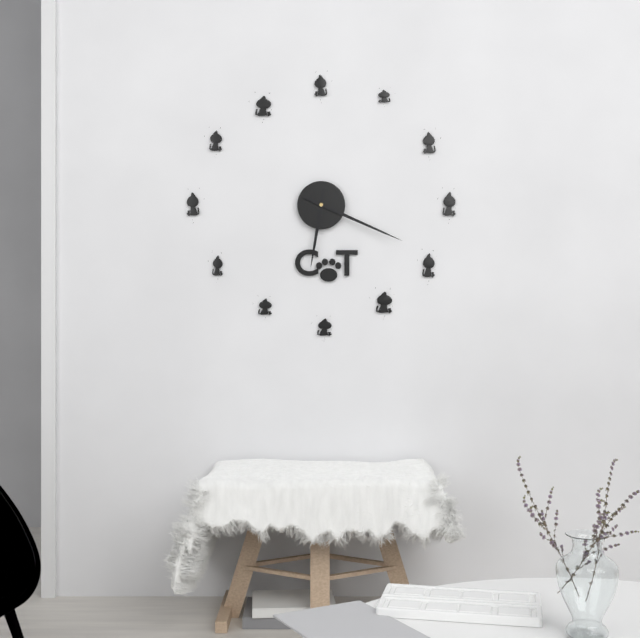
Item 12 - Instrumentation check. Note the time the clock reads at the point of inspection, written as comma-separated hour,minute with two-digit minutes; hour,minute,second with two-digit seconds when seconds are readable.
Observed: 6,19
